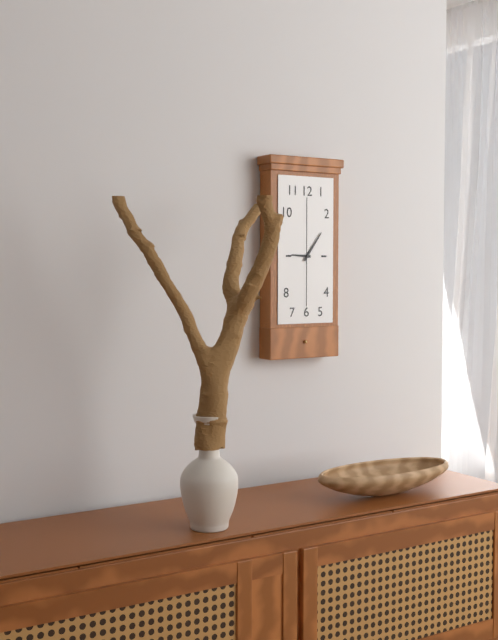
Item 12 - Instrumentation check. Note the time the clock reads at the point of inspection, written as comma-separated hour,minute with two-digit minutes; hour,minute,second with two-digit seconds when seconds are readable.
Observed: 9,06
